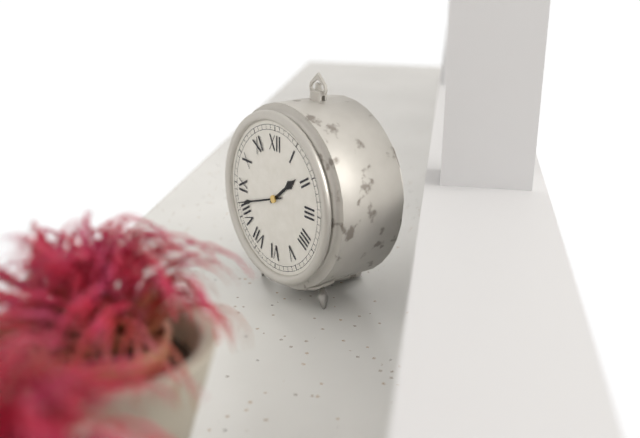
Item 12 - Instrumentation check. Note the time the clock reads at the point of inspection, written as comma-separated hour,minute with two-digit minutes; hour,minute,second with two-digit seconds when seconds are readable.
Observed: 1,42
